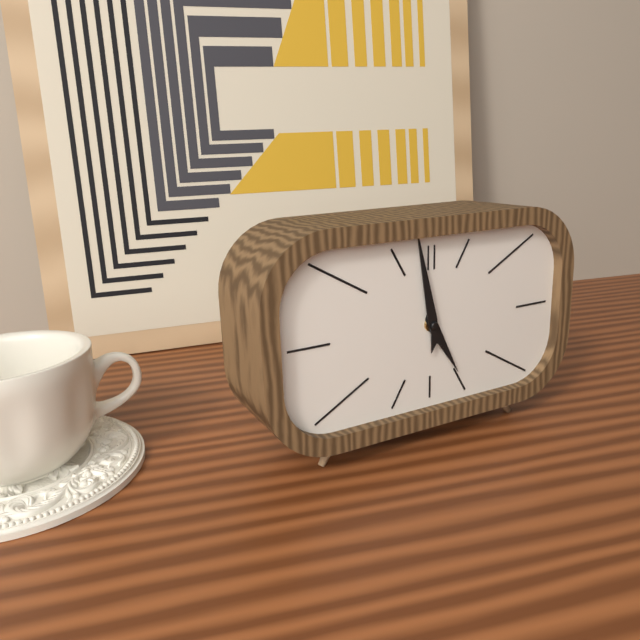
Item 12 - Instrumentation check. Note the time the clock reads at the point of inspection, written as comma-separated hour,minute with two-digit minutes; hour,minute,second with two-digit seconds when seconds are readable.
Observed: 4,58
